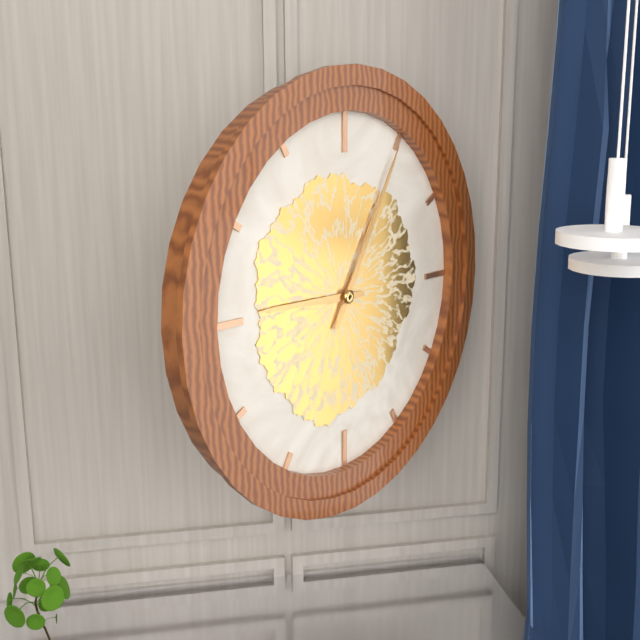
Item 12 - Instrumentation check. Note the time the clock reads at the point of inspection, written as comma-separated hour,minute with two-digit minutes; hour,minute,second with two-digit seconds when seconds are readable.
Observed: 9,05
